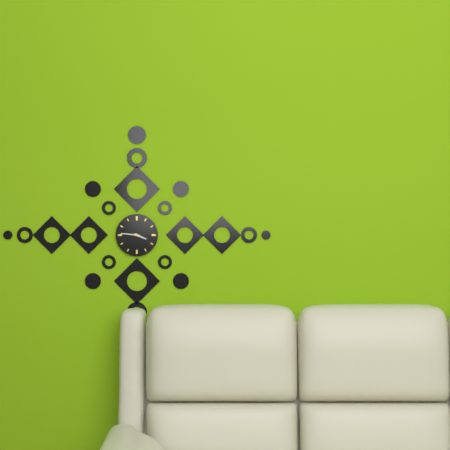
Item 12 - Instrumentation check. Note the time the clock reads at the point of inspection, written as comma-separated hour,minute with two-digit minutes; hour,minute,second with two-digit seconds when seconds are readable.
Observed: 3,46
